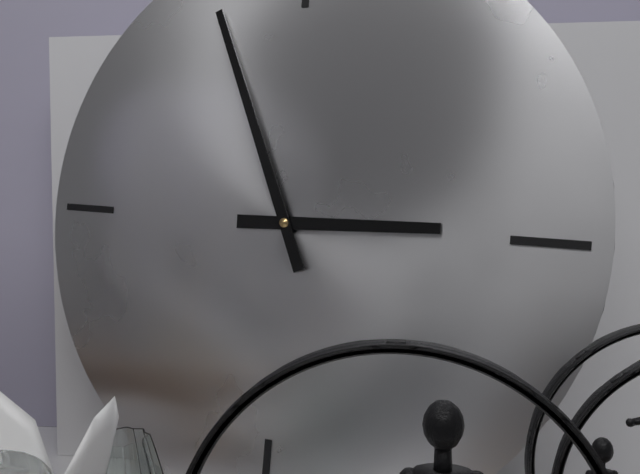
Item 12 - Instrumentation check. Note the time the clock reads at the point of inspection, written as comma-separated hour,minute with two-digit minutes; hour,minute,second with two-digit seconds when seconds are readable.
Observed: 2,56
